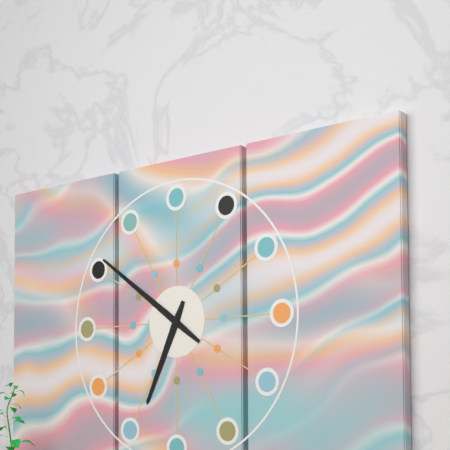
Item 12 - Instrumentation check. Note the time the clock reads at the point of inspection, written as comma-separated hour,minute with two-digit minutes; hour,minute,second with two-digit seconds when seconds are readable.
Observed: 6,51
